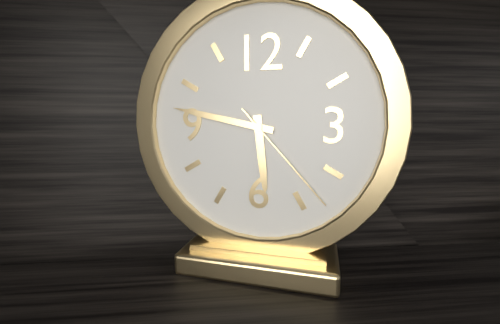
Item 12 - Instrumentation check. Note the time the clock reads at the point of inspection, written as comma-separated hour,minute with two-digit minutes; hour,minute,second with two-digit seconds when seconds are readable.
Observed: 5,47,23
